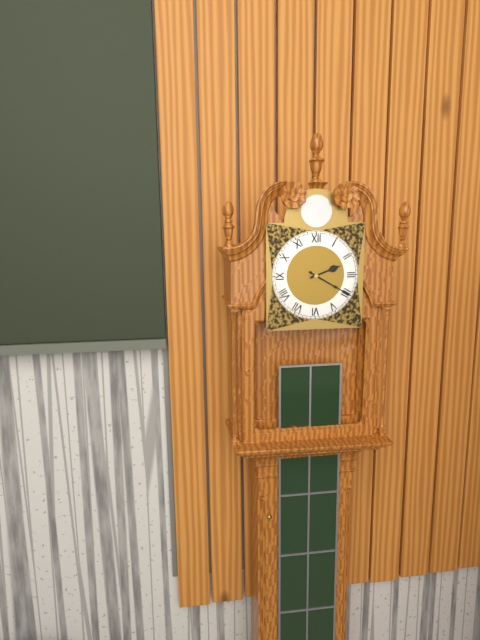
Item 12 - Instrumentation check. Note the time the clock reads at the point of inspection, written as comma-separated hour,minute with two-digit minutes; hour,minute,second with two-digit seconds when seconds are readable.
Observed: 2,20
